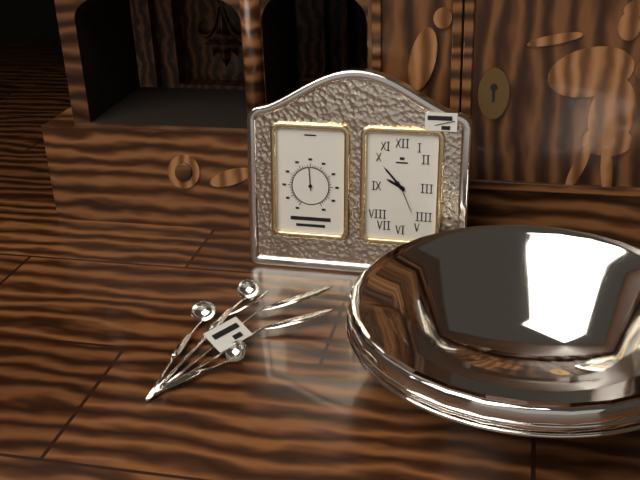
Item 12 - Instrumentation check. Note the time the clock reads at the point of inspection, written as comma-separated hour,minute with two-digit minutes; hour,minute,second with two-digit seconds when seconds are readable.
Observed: 9,53
